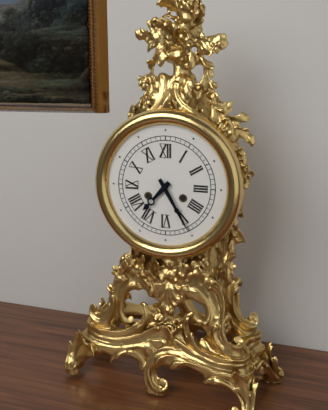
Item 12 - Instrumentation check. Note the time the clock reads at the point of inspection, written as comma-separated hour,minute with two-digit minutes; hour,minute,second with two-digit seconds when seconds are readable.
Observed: 7,25
